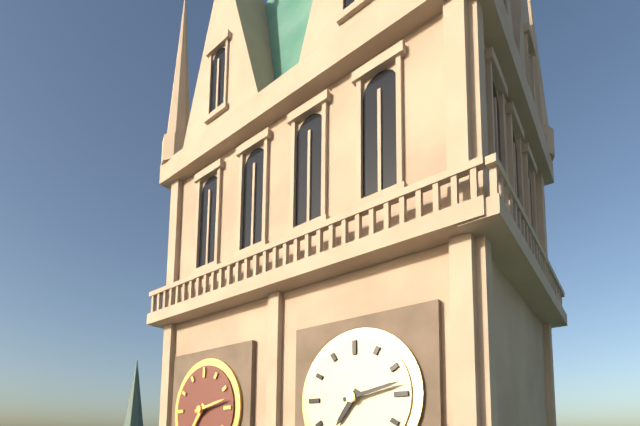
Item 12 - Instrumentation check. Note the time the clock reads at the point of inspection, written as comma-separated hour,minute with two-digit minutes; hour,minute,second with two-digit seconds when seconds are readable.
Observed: 7,13
